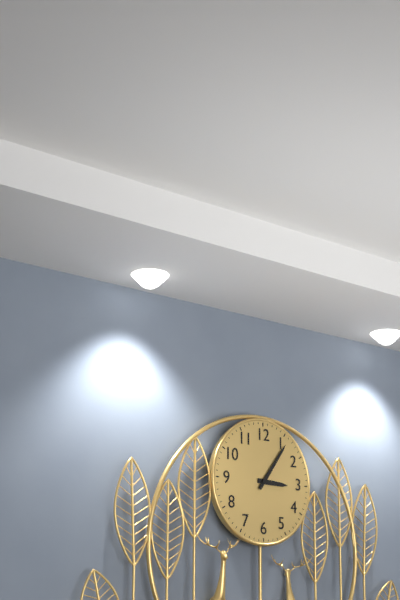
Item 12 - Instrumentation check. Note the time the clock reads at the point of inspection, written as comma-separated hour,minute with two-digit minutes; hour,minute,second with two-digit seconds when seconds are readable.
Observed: 3,06
